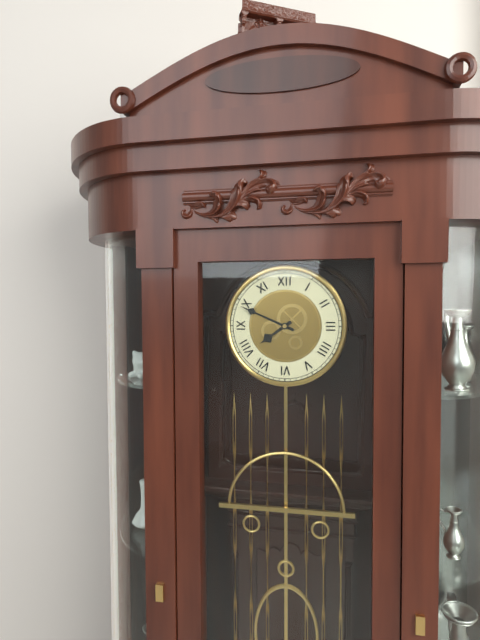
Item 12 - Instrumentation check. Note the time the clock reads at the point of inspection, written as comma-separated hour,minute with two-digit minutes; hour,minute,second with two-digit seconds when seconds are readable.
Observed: 7,49
